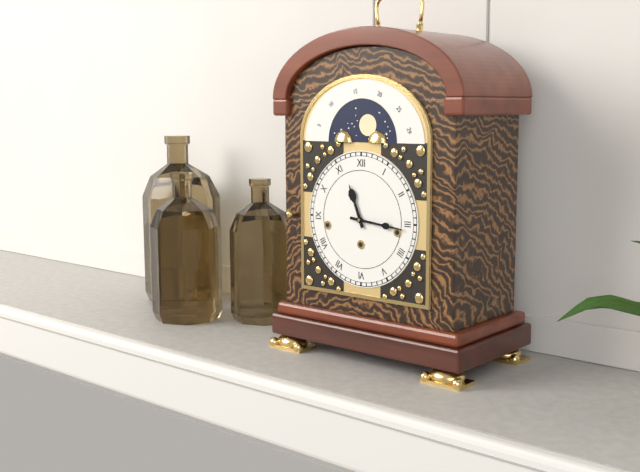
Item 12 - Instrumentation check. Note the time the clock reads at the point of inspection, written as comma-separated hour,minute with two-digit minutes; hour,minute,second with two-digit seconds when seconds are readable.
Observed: 11,16
